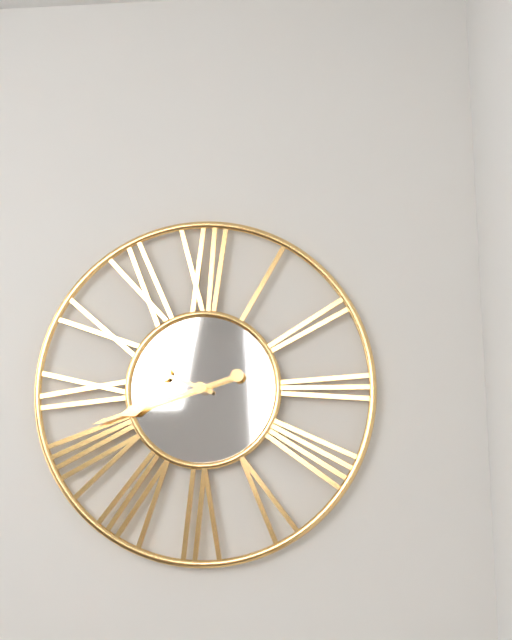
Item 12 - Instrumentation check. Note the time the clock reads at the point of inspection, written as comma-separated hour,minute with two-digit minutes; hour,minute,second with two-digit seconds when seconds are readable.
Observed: 9,42
